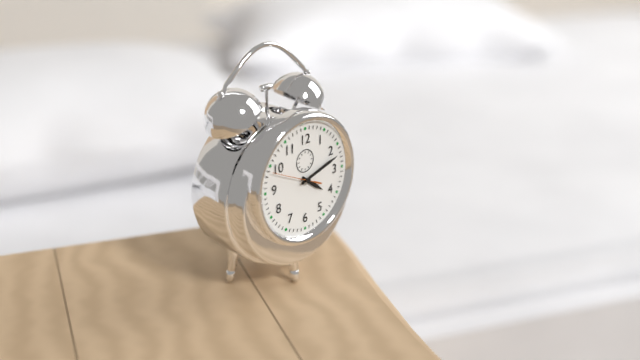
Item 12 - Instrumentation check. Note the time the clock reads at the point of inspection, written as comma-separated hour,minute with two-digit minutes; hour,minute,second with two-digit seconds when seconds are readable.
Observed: 4,12
